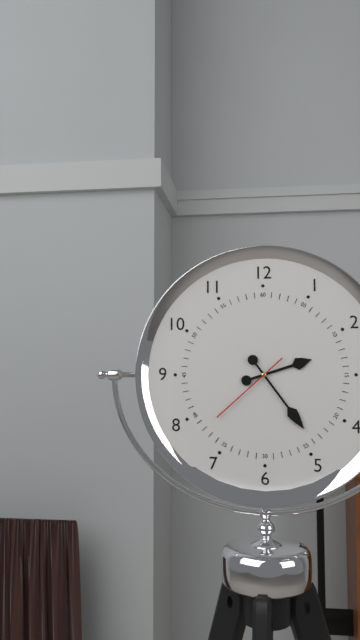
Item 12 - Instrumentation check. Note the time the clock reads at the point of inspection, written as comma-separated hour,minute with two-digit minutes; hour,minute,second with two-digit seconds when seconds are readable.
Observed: 2,24,38
